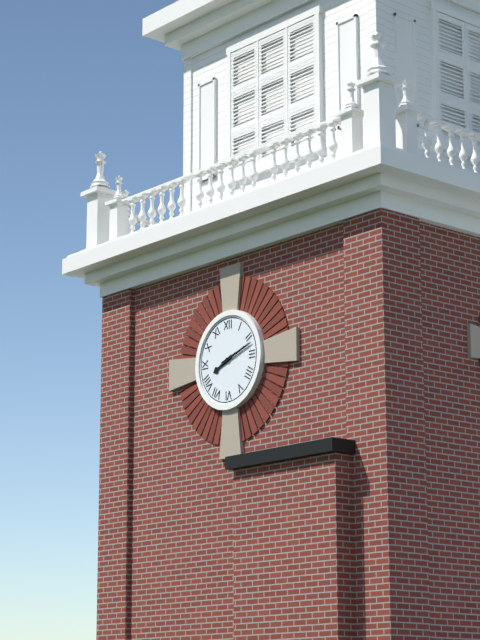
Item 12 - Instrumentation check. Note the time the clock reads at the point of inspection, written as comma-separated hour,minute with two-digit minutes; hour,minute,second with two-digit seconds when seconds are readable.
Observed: 8,12
